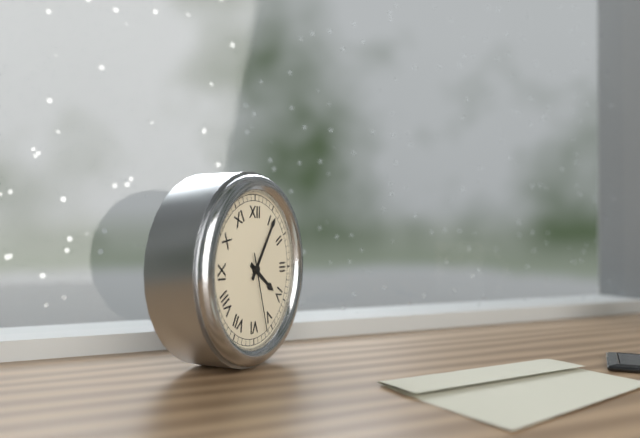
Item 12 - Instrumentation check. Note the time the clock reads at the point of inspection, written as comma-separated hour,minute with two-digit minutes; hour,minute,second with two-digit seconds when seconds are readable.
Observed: 4,06,27
